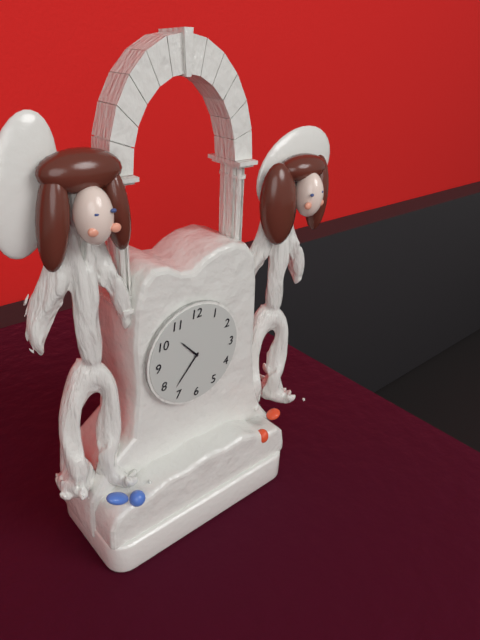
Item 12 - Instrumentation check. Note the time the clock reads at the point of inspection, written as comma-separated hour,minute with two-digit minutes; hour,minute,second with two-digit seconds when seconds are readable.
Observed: 10,37
